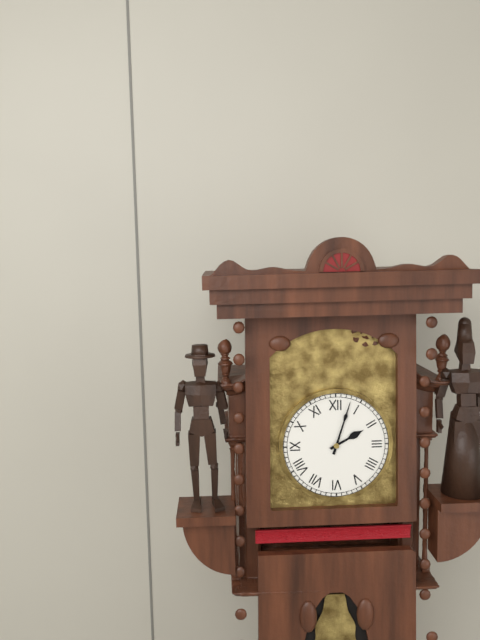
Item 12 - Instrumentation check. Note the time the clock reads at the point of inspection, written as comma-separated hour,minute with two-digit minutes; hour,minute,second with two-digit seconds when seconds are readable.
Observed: 2,03
